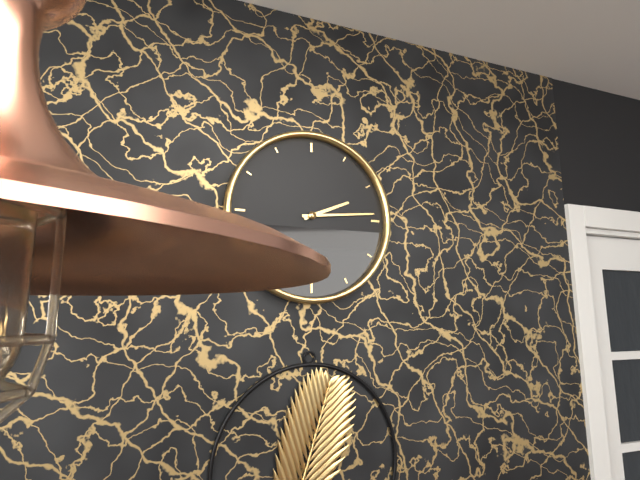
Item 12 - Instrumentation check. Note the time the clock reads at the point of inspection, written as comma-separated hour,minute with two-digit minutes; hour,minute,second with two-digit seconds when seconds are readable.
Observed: 2,14
